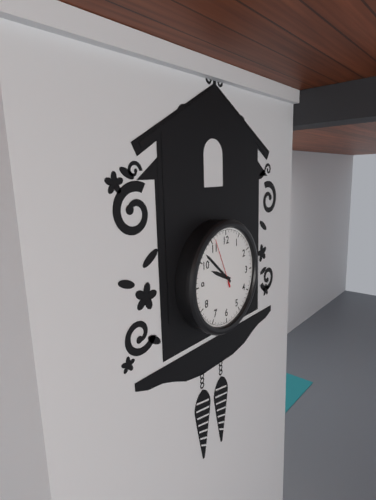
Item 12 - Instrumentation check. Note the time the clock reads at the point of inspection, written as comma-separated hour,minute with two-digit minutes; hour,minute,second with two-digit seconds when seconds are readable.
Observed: 9,52,56
